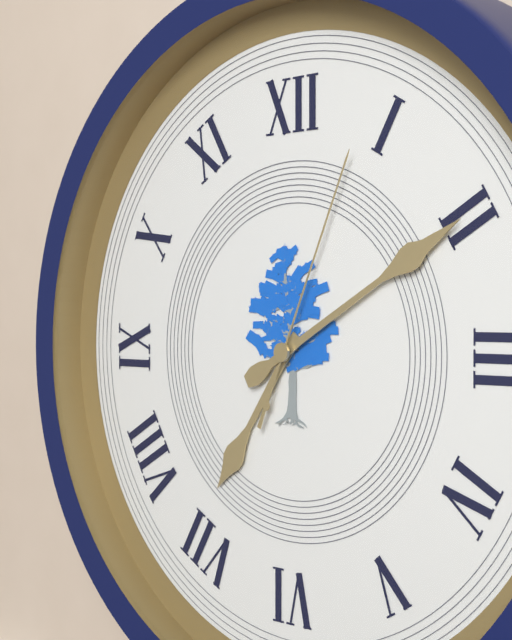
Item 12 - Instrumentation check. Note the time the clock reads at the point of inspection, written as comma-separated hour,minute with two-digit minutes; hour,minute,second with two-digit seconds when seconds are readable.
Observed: 7,10,04
